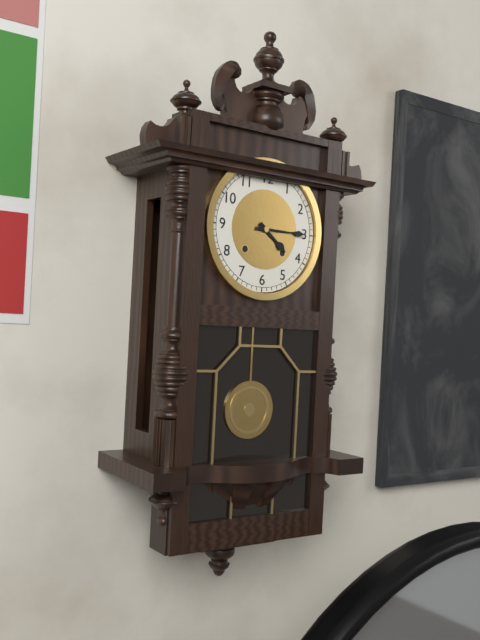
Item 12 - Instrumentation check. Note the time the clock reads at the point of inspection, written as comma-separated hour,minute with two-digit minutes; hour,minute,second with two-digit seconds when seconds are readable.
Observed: 4,15
